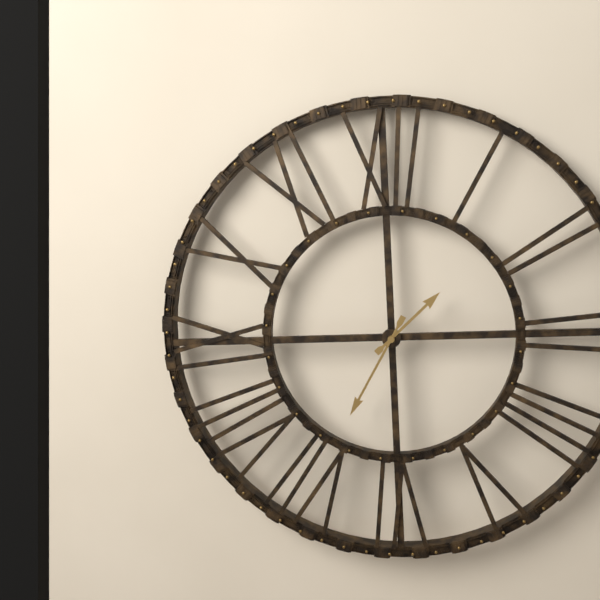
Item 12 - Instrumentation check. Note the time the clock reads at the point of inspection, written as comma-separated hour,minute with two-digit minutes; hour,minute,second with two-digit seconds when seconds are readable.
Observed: 1,35
